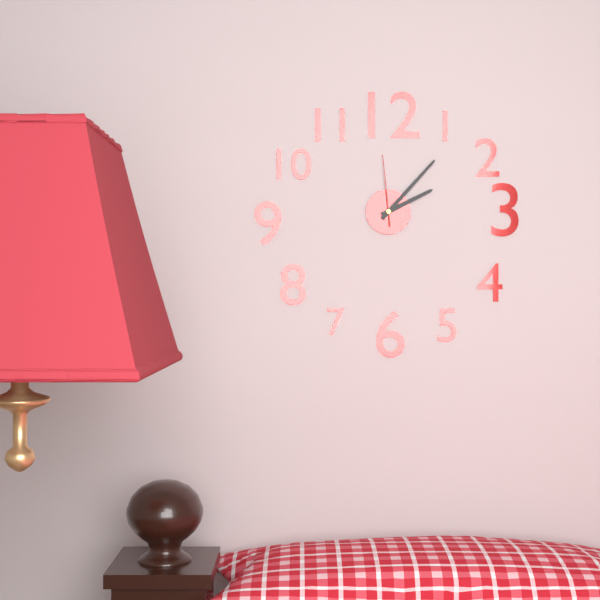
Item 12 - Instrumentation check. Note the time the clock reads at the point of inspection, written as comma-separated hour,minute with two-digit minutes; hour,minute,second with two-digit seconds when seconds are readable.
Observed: 2,07,59
